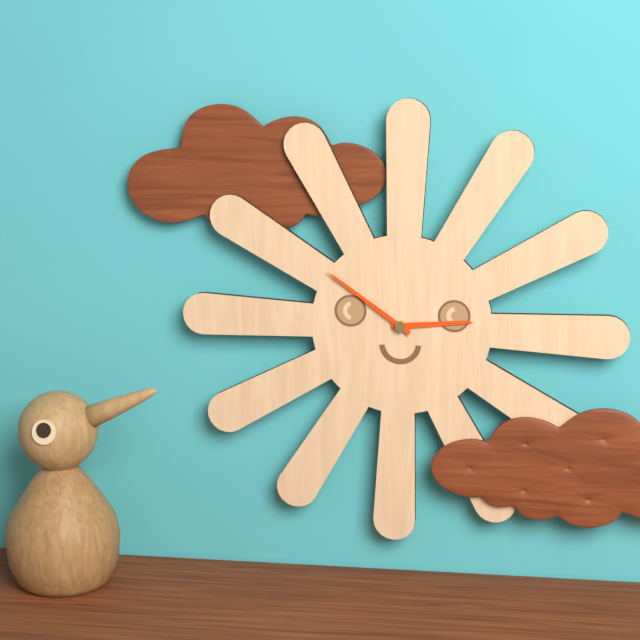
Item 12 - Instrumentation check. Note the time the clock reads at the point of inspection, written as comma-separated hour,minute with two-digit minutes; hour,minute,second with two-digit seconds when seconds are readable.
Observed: 2,51
